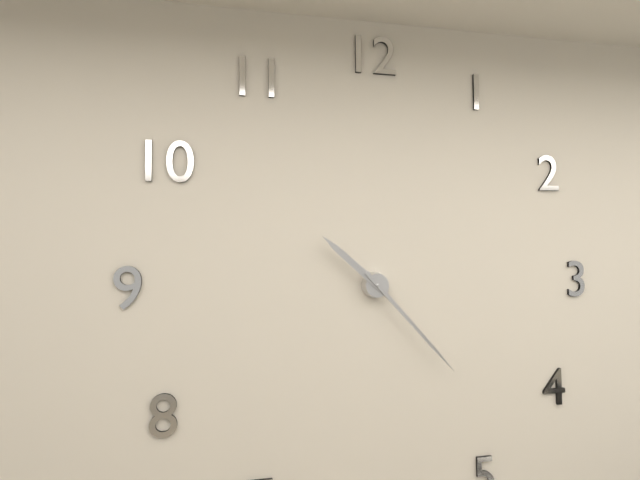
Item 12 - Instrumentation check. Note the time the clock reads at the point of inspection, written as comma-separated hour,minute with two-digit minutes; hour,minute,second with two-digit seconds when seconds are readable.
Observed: 10,23
